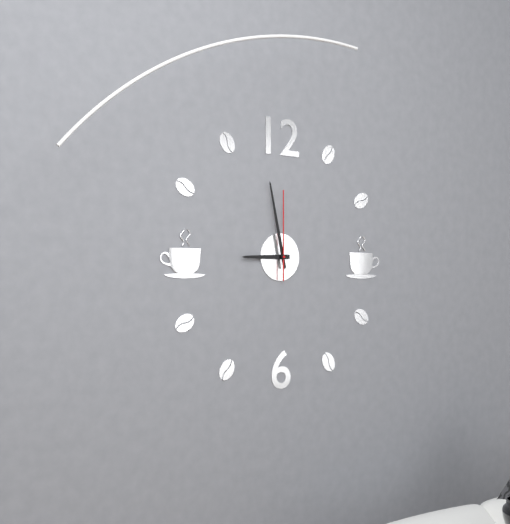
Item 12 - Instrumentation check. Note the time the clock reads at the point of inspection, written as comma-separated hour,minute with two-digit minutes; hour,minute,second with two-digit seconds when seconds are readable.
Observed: 8,58,00
